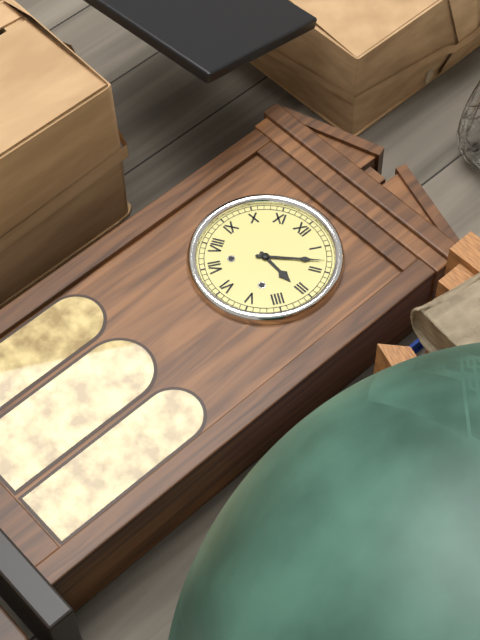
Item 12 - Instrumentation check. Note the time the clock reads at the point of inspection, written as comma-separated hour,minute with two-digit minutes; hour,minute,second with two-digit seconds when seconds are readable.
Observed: 3,08
